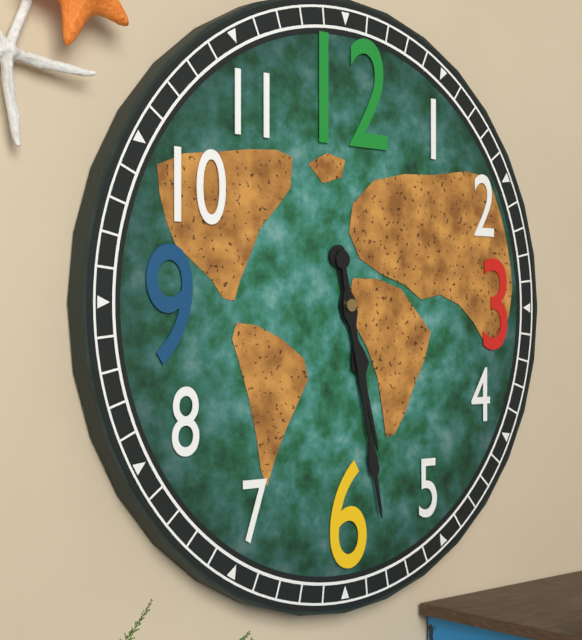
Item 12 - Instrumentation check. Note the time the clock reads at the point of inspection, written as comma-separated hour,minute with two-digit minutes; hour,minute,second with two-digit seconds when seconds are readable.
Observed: 5,28
